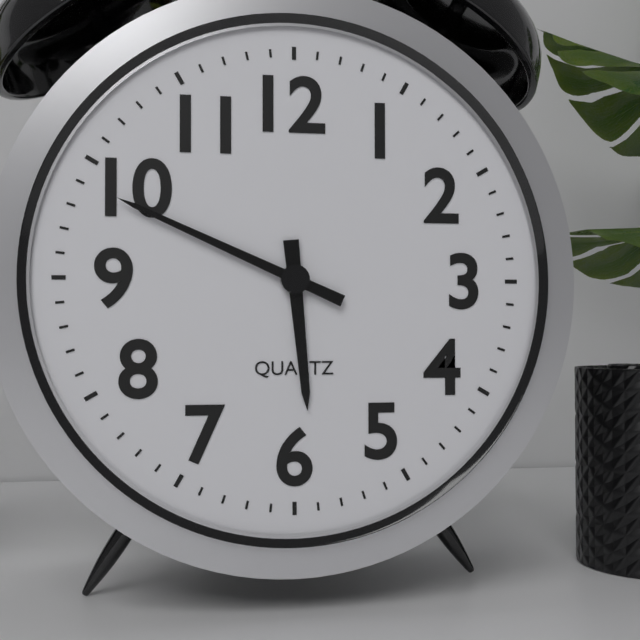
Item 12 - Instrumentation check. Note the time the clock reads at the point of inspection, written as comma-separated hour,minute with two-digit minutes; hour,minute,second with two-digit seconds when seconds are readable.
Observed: 5,49
